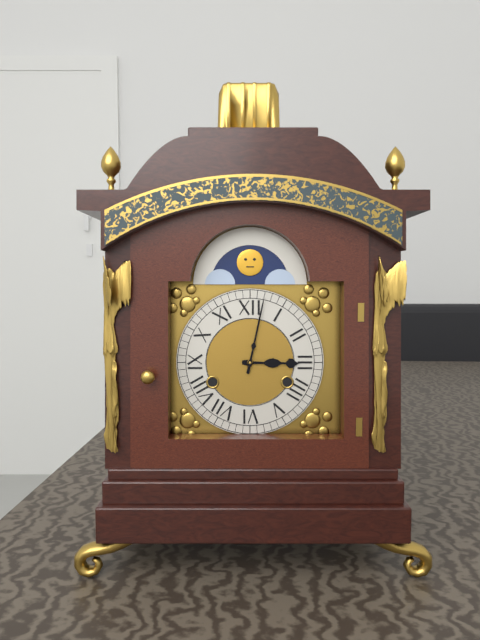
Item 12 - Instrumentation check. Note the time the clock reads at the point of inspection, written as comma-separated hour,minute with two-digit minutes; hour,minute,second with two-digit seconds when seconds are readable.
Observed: 3,02
